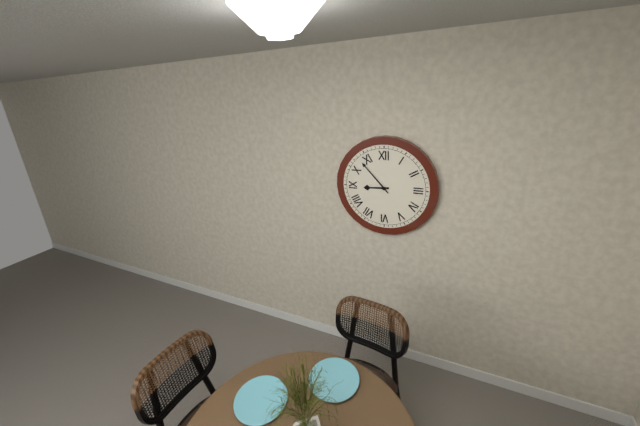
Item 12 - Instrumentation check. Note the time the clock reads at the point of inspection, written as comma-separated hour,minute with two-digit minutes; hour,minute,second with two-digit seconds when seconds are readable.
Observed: 8,53
